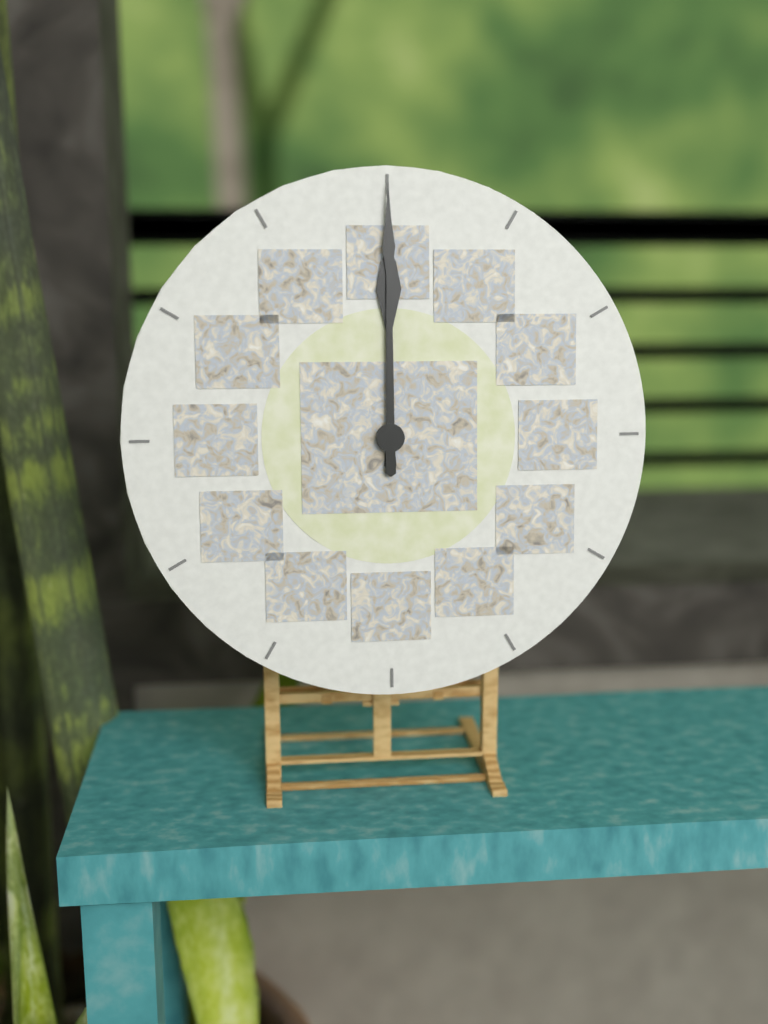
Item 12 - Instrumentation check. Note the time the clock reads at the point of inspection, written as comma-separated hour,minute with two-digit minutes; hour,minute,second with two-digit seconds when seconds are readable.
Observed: 12,00
